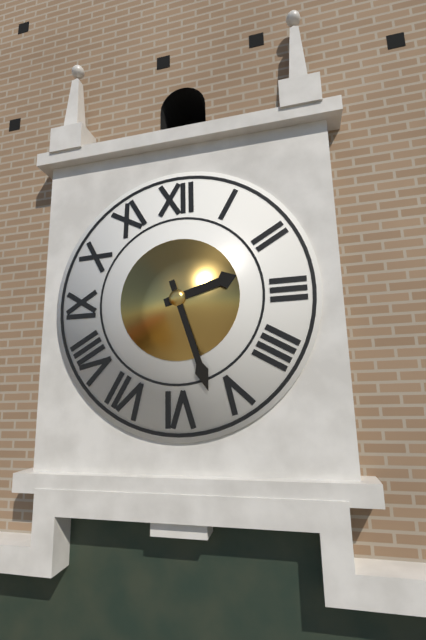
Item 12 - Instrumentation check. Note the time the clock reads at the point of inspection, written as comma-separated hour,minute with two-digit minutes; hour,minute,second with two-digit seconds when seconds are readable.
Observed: 2,27
